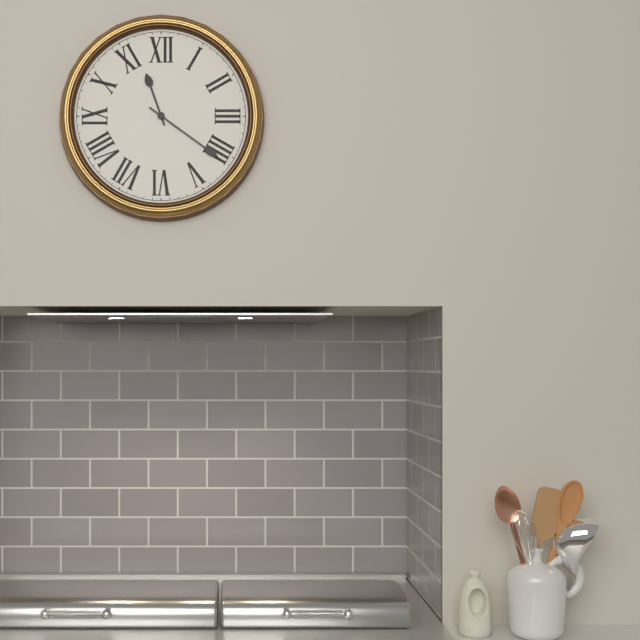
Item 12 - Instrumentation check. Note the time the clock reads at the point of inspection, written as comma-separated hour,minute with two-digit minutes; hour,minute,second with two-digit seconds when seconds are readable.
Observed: 11,21
